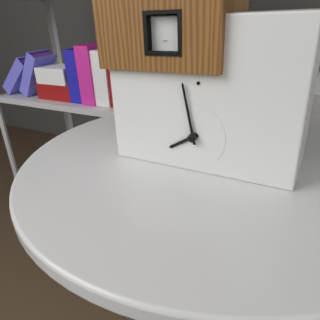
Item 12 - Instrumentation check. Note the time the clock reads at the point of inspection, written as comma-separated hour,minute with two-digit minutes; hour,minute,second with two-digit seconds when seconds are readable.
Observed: 7,58
